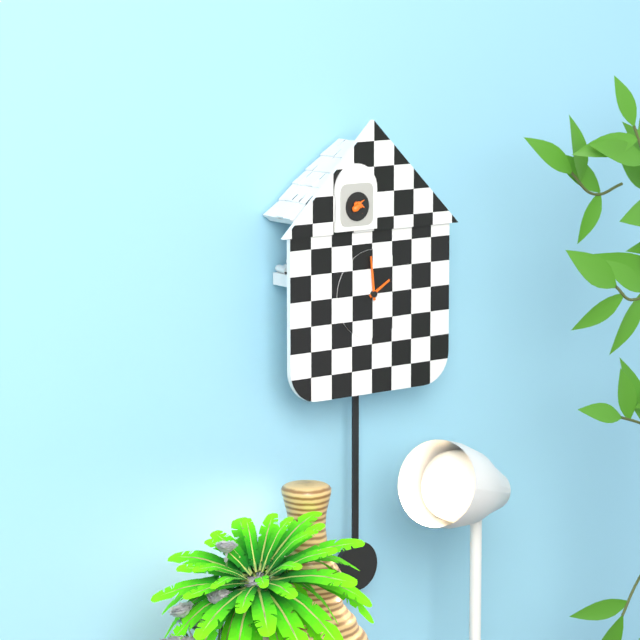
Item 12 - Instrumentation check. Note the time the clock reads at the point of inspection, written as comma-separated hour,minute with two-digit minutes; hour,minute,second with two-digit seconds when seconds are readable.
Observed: 1,59
